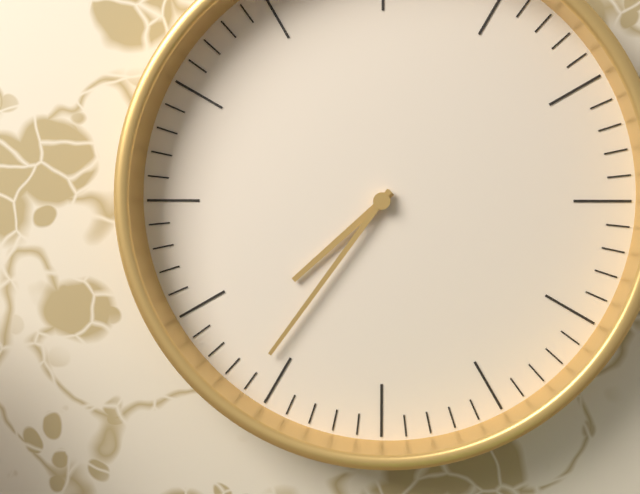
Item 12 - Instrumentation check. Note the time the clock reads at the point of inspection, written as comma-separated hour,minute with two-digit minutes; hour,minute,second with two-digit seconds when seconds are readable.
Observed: 7,36
